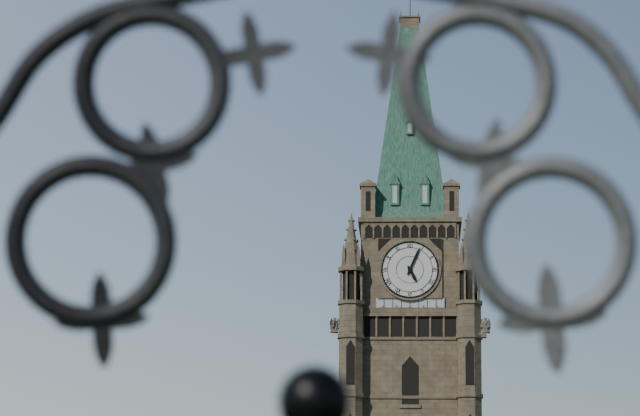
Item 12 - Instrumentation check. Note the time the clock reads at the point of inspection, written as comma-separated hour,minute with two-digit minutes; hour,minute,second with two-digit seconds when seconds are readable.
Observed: 5,04
